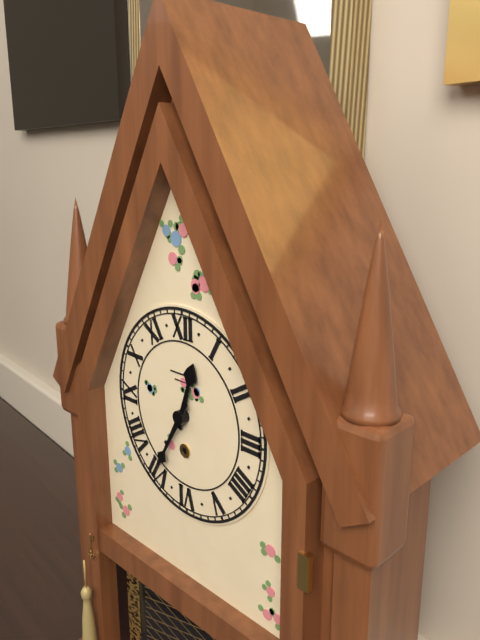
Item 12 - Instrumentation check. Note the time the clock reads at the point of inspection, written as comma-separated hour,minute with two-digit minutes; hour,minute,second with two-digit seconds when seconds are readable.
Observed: 12,35
